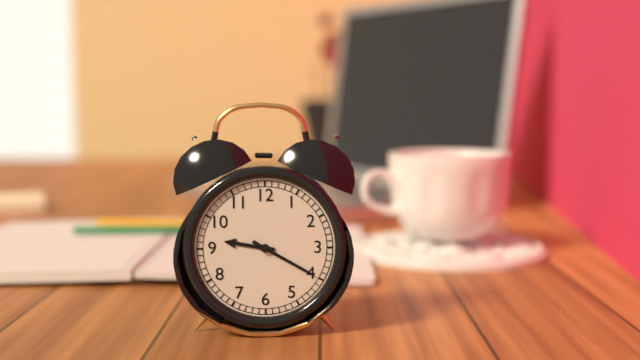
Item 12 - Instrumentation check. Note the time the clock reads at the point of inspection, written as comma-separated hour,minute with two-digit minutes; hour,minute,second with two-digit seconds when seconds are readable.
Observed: 9,20
